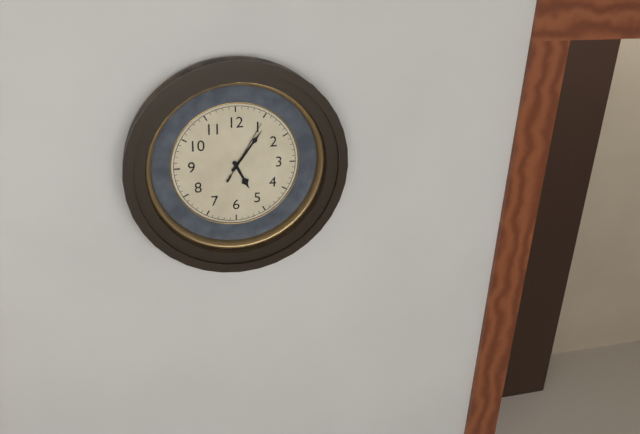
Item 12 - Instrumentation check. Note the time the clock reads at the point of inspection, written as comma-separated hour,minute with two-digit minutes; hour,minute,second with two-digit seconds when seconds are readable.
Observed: 5,06,05
